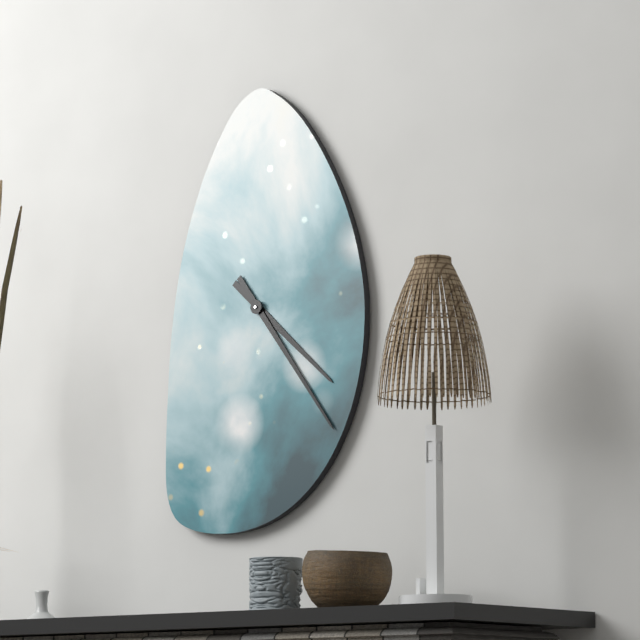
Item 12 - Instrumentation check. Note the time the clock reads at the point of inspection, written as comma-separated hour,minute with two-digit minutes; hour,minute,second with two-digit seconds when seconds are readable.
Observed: 4,24
